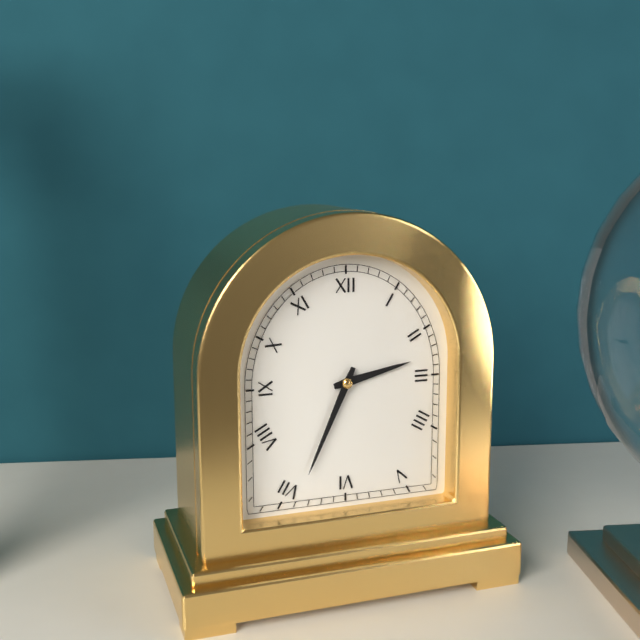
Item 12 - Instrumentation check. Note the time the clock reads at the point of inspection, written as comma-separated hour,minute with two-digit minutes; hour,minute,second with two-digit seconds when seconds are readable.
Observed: 2,34
